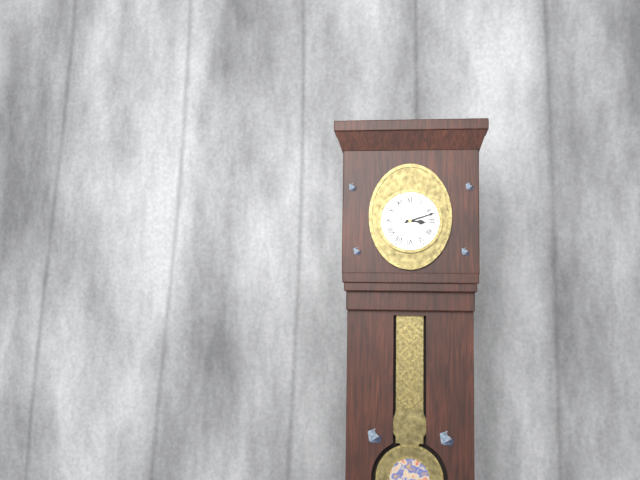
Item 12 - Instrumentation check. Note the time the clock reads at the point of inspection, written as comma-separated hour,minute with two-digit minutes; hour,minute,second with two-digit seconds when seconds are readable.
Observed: 3,12
